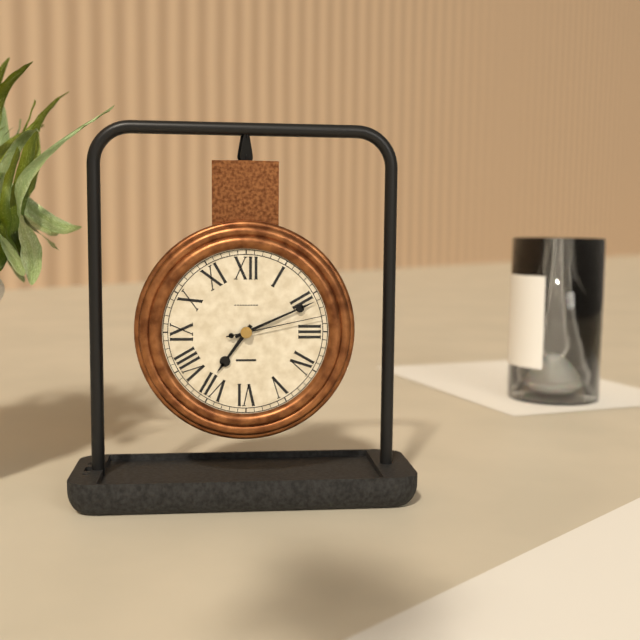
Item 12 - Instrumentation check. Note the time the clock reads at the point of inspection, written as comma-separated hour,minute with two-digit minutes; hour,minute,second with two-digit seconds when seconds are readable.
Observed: 7,11,13
